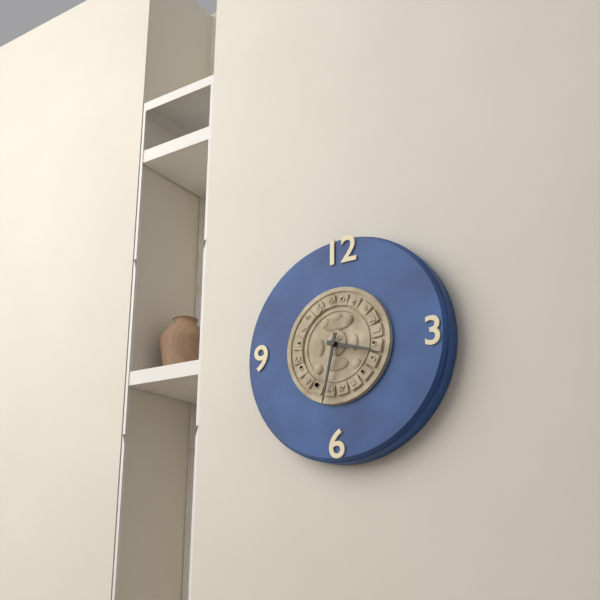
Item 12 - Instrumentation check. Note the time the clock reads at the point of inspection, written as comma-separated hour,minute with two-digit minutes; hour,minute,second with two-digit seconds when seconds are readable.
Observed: 3,32
